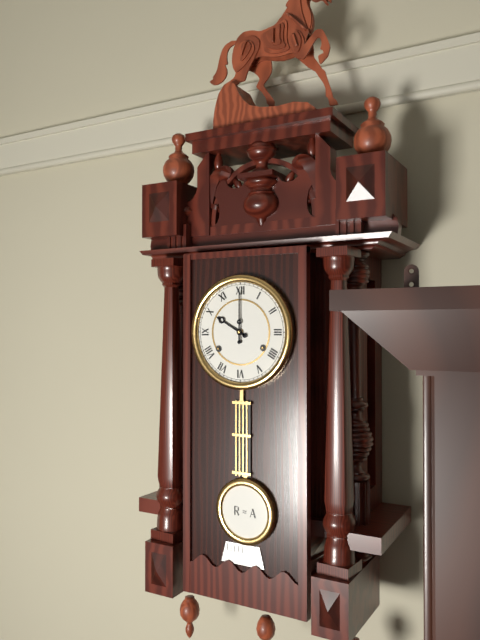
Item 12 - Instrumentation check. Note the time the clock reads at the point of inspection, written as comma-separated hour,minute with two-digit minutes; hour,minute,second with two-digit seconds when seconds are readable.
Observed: 10,00
